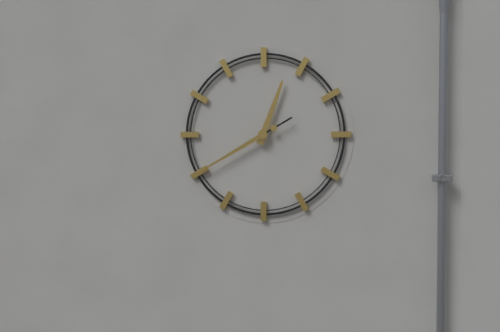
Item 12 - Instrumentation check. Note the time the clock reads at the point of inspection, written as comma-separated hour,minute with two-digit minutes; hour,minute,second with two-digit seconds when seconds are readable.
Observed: 12,40
